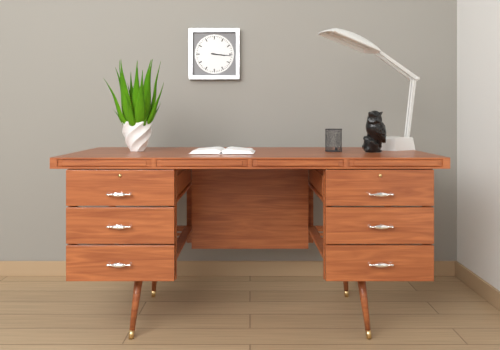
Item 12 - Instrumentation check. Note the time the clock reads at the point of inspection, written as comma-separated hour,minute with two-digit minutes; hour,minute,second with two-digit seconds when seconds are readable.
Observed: 3,16
